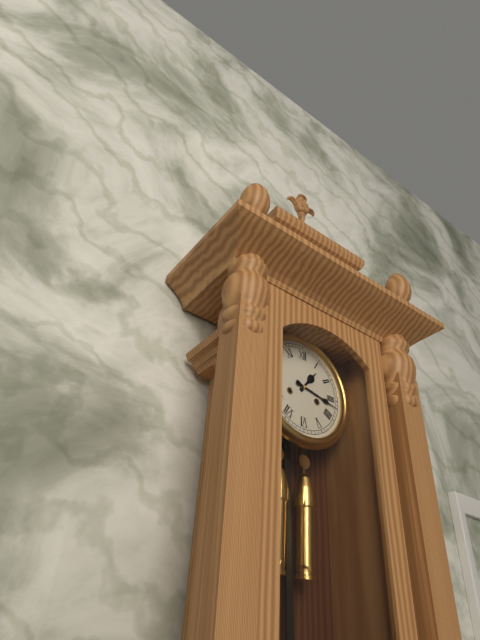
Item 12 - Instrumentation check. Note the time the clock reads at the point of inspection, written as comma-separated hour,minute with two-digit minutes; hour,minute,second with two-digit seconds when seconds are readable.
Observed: 1,17
